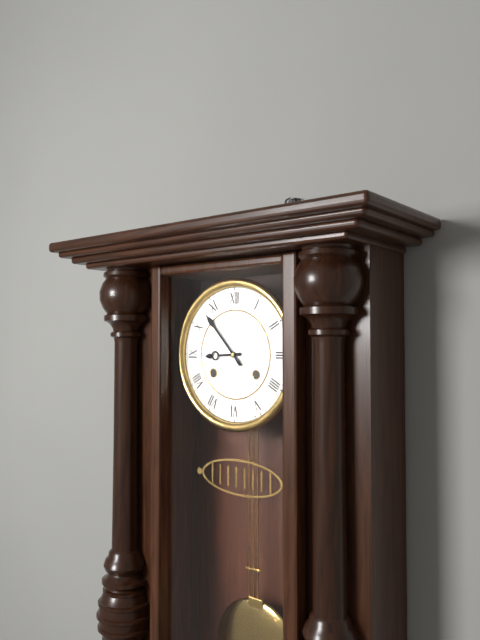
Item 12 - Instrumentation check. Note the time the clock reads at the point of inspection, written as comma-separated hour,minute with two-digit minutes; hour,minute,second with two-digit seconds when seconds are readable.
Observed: 8,53
